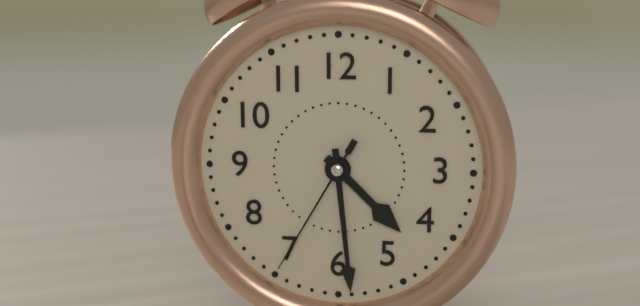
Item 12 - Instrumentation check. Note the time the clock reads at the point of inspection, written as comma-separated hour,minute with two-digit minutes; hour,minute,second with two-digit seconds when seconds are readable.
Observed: 4,29,35
